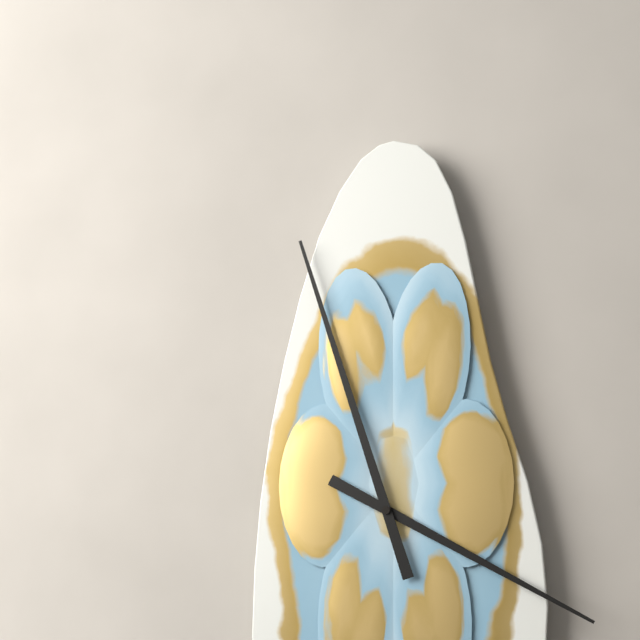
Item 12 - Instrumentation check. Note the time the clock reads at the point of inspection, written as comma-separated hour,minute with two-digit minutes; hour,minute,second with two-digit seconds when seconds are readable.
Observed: 3,57
